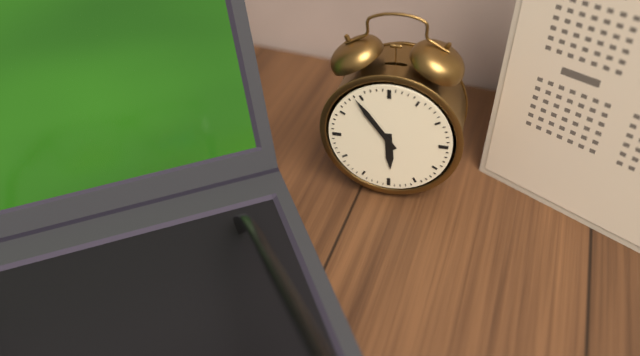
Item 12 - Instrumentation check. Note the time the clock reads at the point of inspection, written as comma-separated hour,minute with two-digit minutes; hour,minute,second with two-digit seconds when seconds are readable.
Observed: 5,54
